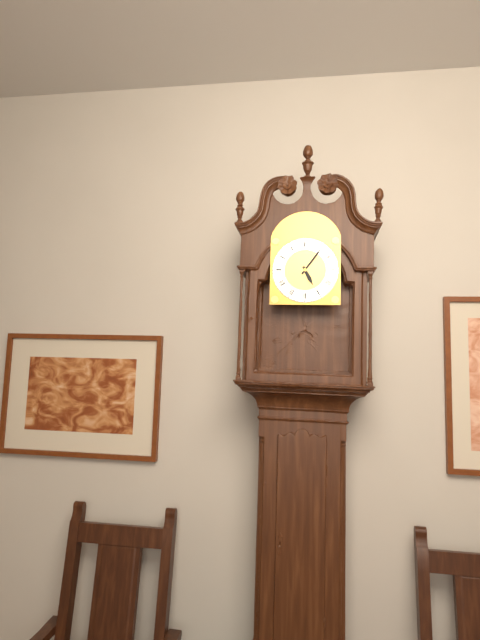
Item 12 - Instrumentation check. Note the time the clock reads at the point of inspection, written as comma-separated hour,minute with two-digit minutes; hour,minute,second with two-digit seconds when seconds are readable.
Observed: 5,06
